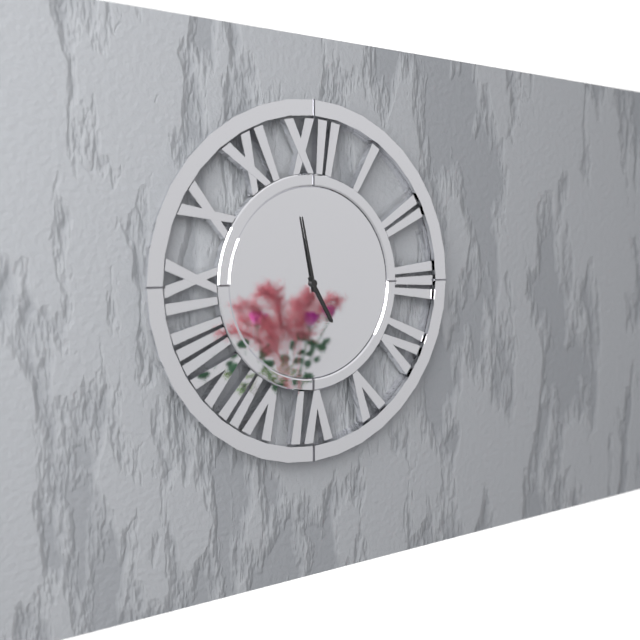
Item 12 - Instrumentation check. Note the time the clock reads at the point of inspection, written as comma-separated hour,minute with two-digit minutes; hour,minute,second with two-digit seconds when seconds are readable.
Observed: 4,58
